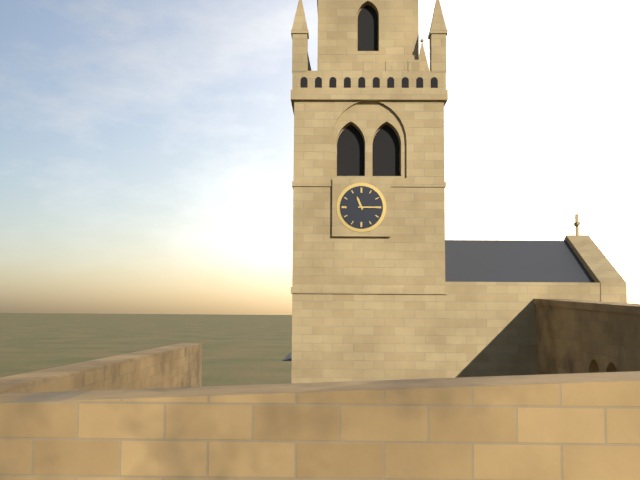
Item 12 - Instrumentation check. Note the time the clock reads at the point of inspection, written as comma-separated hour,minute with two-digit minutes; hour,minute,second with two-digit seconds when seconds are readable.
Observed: 11,15
